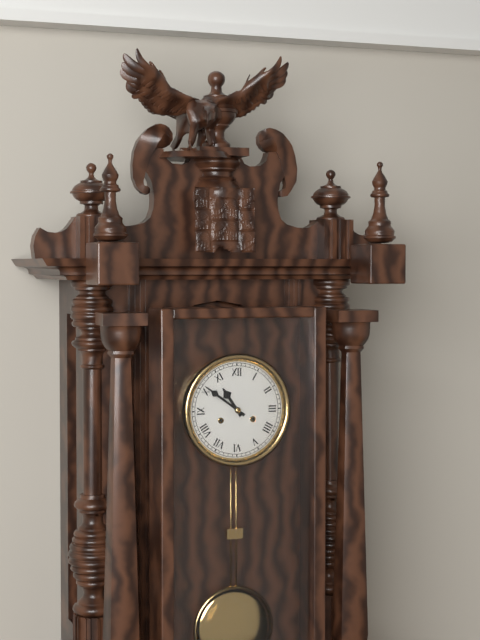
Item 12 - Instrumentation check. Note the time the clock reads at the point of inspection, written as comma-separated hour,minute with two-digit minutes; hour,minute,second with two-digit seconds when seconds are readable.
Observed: 10,51
